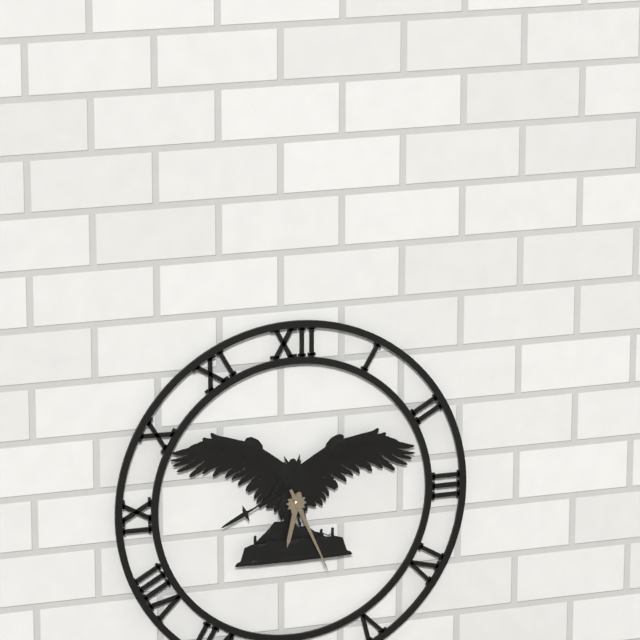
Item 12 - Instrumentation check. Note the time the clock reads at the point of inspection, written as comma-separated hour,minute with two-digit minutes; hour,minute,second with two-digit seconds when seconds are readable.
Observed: 6,26
